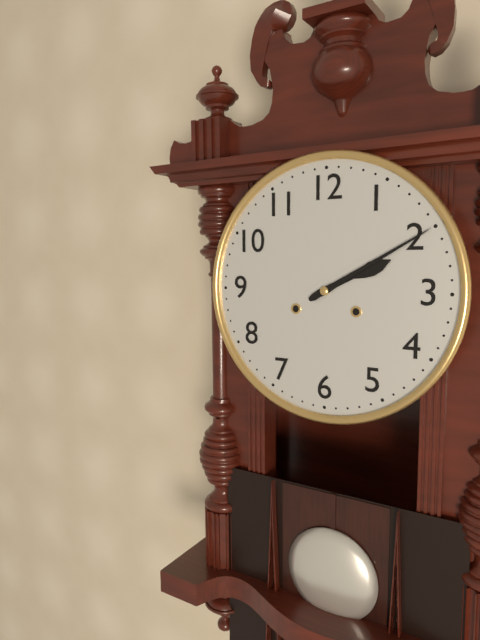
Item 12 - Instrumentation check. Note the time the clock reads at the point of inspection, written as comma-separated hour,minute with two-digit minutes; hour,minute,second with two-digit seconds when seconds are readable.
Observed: 2,10
